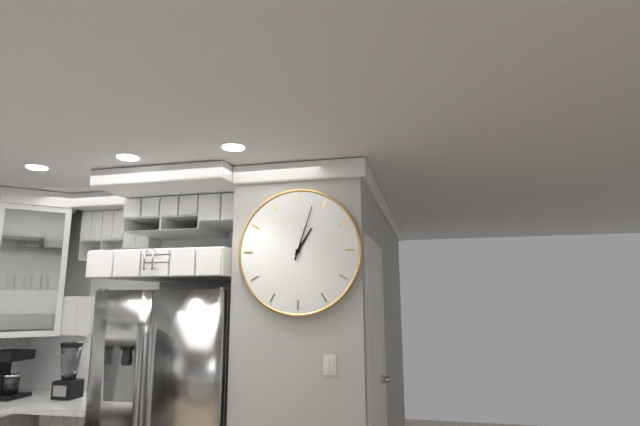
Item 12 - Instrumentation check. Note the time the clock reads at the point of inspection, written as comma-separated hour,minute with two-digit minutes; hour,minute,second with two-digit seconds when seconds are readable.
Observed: 1,03
